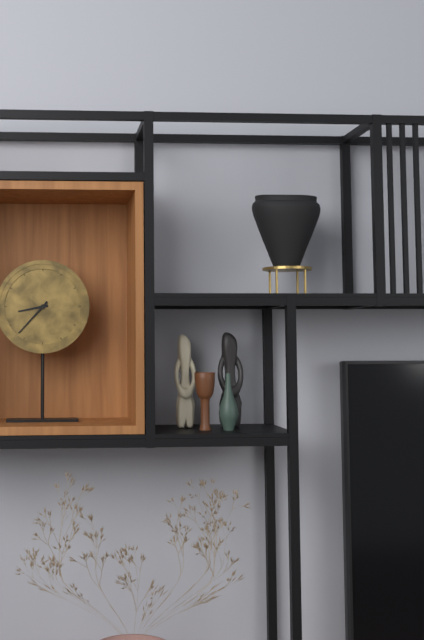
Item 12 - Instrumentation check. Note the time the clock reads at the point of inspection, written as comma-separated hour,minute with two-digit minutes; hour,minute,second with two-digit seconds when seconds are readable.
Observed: 8,37
